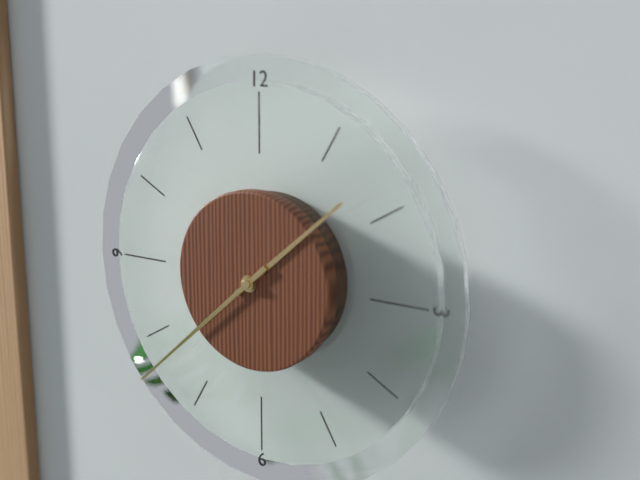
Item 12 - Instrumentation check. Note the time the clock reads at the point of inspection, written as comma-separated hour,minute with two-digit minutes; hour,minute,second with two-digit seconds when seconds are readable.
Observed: 1,38
